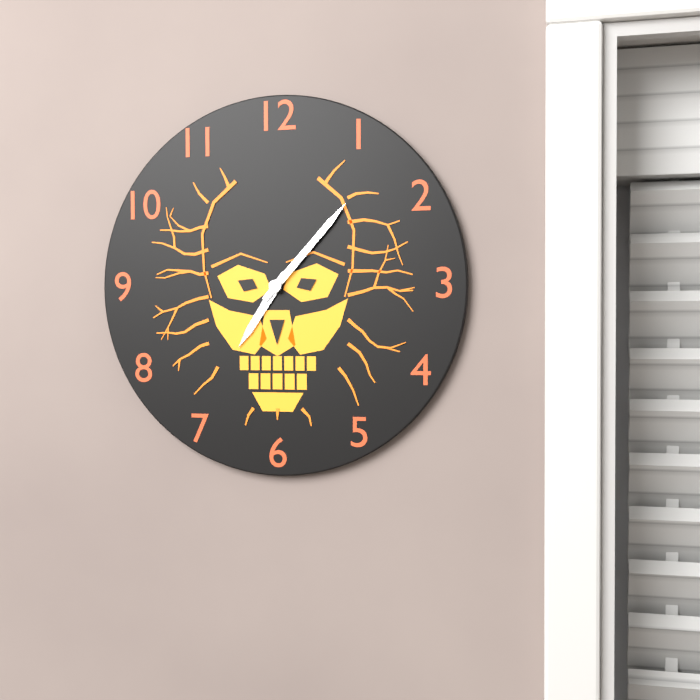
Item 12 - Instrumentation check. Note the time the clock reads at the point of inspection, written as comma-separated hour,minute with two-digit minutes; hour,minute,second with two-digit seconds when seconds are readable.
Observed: 7,07
